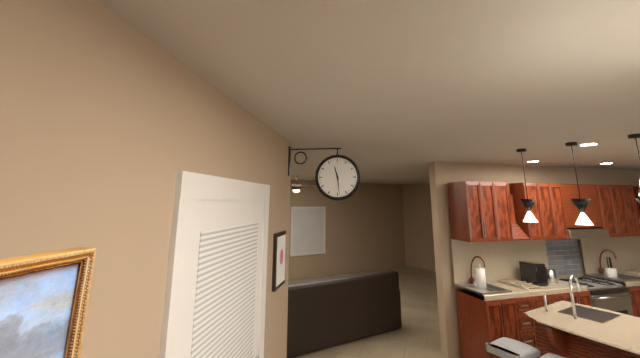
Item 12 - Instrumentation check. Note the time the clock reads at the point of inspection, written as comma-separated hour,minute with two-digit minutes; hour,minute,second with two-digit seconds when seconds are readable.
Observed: 11,29
